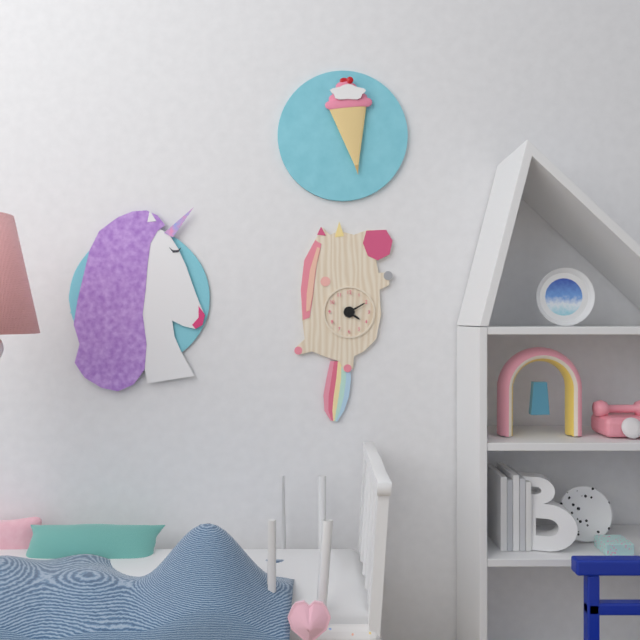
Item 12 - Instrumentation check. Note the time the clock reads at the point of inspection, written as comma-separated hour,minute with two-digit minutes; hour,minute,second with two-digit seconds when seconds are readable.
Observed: 4,10
